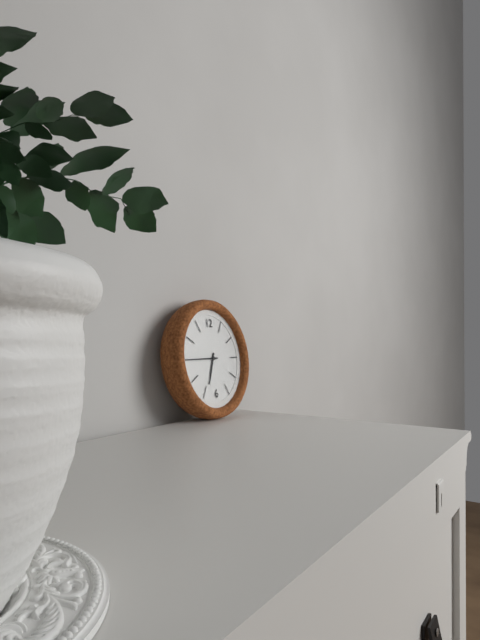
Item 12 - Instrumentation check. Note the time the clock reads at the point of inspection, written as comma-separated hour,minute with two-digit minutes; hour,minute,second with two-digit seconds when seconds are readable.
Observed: 6,45
